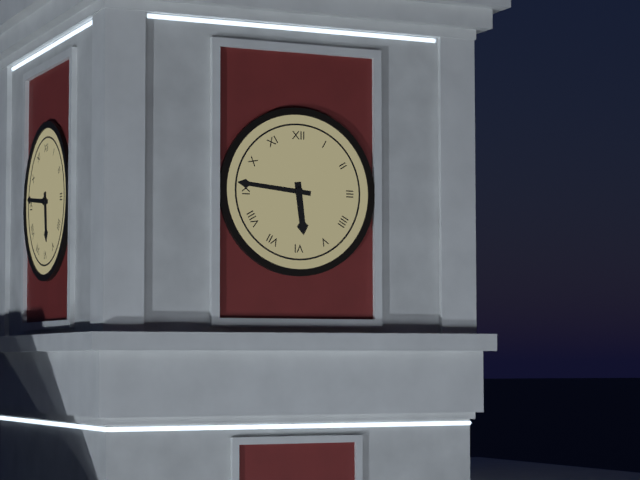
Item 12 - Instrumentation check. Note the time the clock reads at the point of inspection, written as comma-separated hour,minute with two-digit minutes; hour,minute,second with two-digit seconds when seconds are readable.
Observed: 5,46
